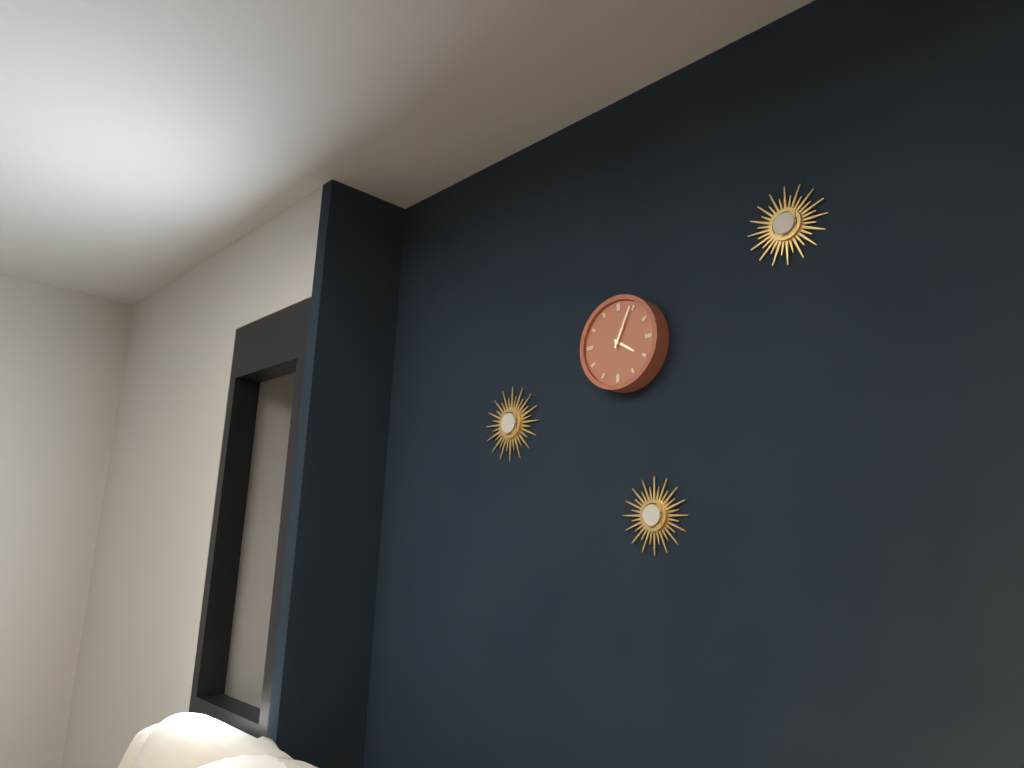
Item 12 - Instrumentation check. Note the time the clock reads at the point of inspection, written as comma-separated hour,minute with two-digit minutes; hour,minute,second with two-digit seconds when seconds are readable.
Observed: 4,04
